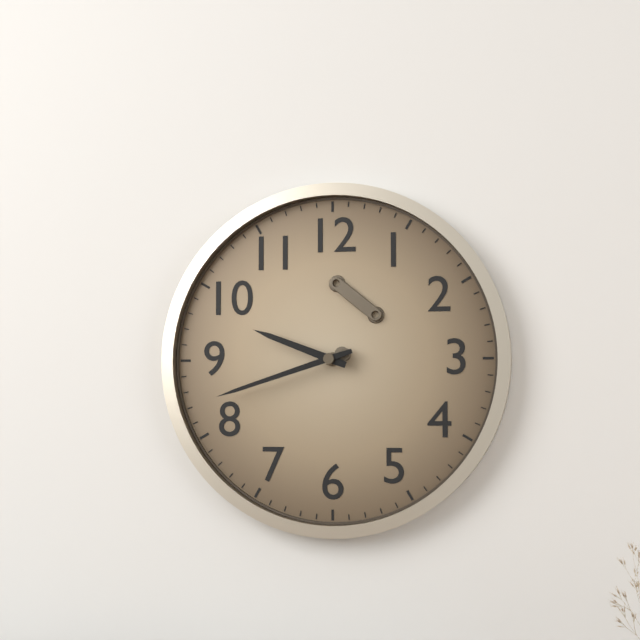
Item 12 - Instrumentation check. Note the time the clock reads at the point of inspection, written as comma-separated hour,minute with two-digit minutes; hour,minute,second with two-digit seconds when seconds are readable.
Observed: 9,42
